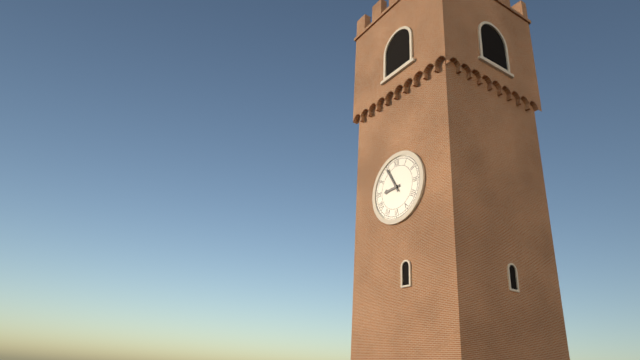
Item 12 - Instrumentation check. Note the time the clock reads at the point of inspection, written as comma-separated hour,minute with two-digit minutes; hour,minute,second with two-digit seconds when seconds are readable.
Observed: 8,55
